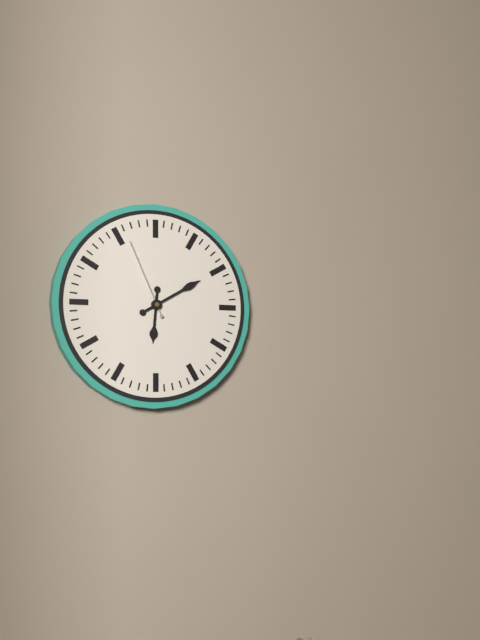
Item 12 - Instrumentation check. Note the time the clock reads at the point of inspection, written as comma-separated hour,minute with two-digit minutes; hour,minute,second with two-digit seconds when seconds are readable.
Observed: 6,10,56
